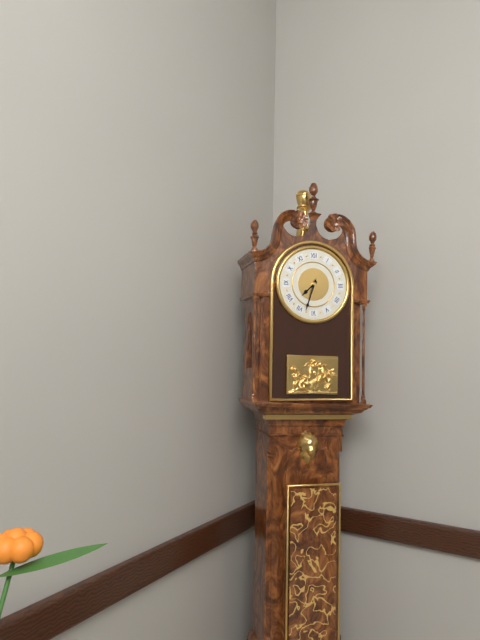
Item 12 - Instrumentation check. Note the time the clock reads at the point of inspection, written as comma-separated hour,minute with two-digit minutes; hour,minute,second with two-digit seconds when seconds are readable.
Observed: 7,33
